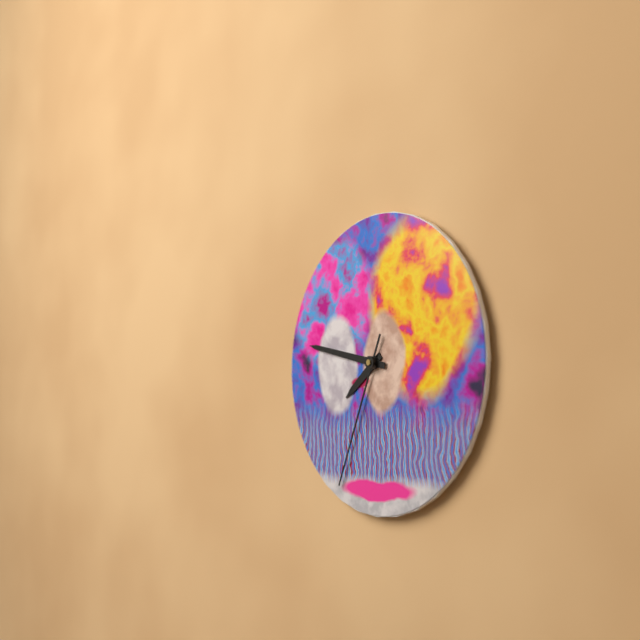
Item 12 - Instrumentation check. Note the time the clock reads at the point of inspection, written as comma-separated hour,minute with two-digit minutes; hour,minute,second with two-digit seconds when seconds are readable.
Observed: 7,47,34
